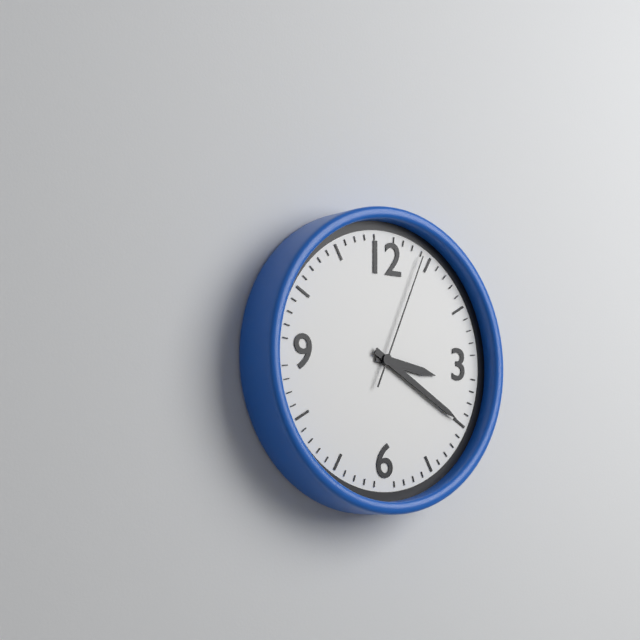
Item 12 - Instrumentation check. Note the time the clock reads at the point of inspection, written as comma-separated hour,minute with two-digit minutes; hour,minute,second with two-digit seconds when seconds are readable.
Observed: 3,20,04
